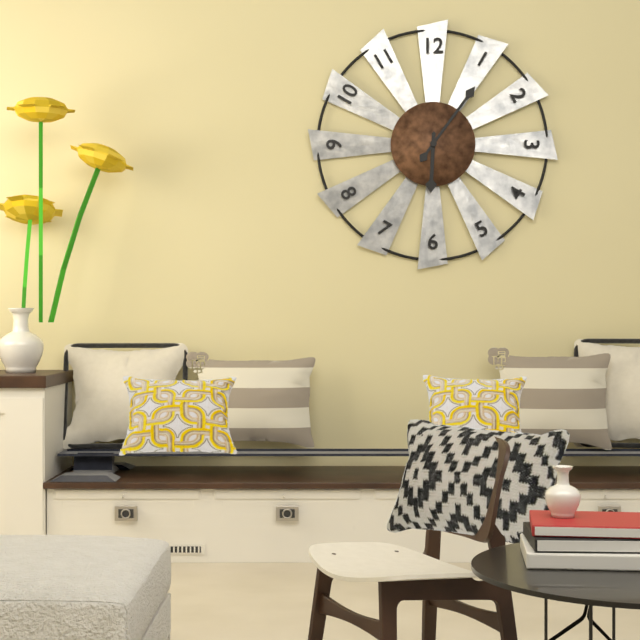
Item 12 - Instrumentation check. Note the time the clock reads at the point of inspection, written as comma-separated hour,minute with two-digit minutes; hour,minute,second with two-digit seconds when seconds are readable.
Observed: 6,06
